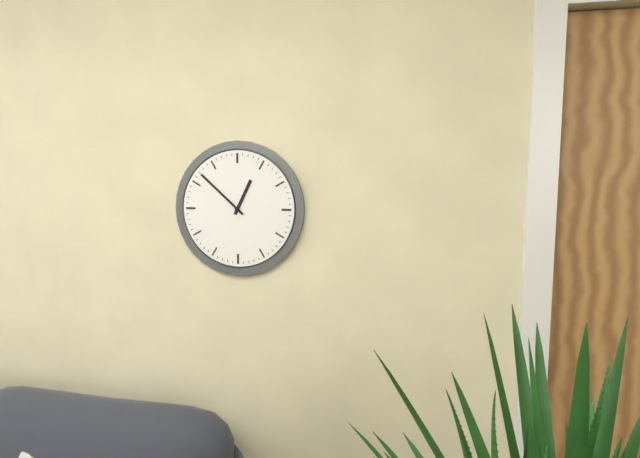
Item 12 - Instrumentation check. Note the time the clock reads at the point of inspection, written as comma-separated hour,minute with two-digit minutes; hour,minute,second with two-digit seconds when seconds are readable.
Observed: 12,52
